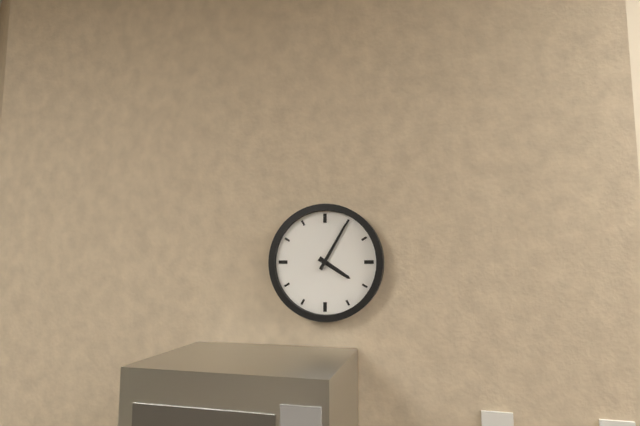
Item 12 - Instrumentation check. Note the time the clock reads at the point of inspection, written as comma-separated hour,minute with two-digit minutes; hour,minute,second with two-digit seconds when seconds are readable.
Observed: 4,05
